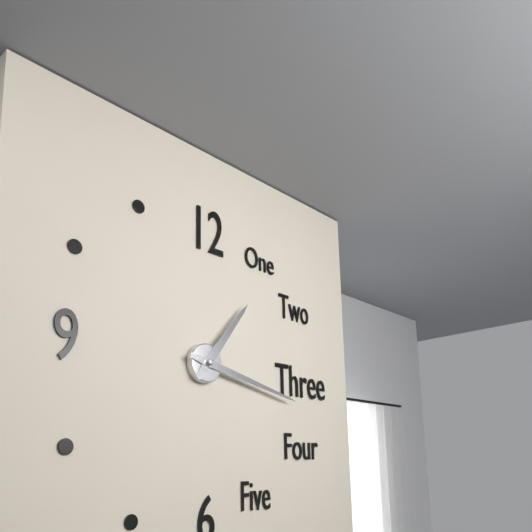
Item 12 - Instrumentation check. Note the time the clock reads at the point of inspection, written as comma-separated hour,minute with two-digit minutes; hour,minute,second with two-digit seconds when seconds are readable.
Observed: 1,17
